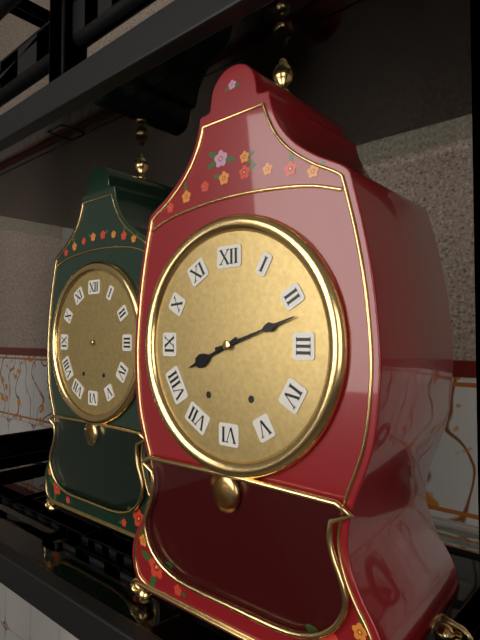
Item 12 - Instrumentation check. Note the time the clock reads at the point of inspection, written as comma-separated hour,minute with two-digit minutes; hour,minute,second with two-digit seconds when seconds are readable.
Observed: 8,12
